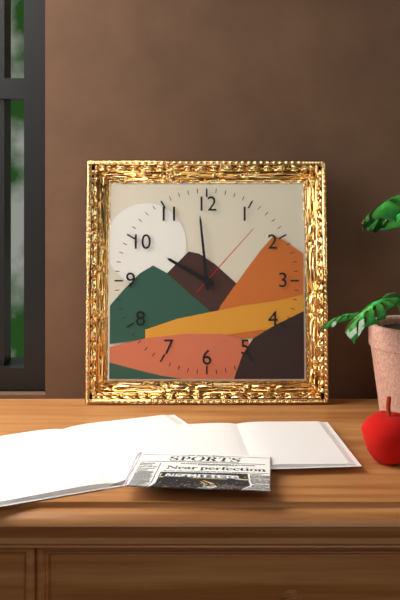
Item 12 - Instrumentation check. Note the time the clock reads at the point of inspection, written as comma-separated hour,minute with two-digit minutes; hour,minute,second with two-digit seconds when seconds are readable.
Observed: 9,59,07
